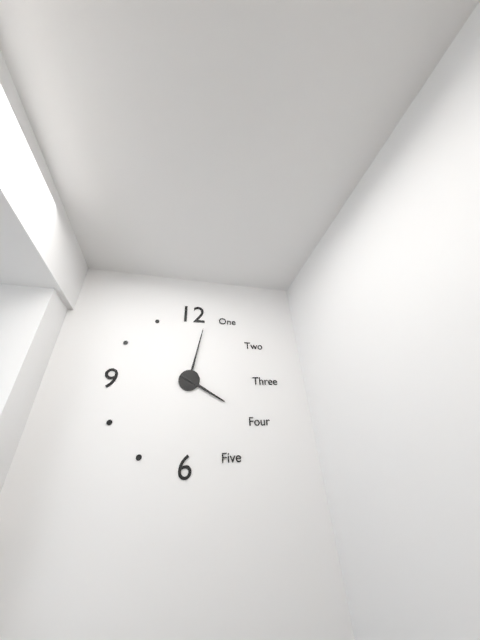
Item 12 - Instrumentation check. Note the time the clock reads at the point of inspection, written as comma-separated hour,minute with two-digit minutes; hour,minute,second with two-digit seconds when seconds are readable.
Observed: 4,02
